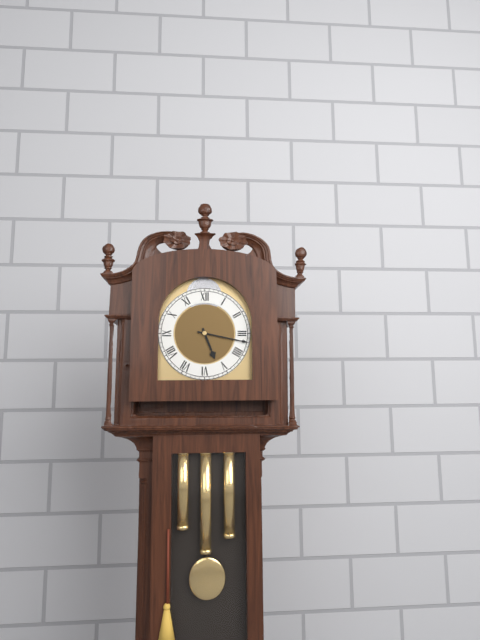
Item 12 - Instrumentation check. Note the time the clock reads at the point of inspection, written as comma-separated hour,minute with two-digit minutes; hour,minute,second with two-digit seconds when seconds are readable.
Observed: 5,17
